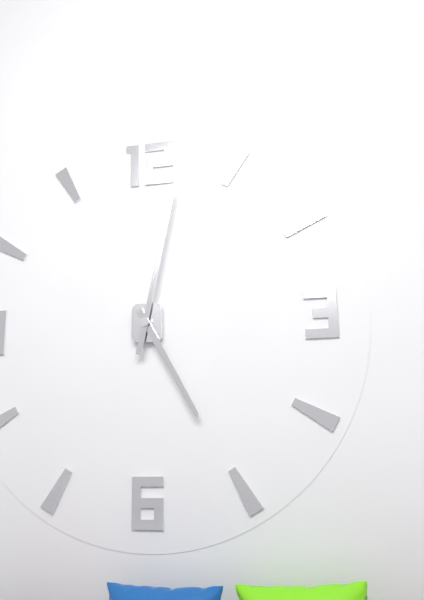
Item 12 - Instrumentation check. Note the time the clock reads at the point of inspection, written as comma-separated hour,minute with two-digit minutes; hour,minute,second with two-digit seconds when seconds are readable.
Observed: 5,02
